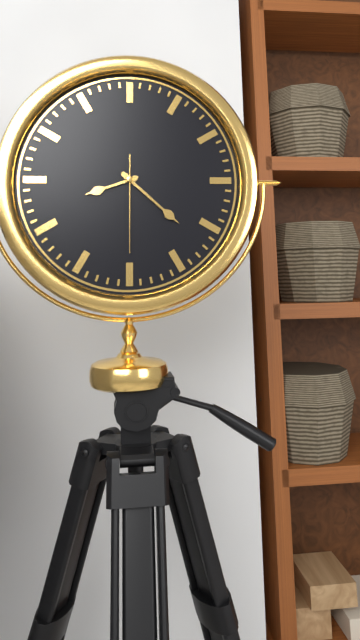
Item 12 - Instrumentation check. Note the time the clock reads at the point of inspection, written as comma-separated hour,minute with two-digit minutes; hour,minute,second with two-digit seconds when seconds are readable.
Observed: 8,22,30
